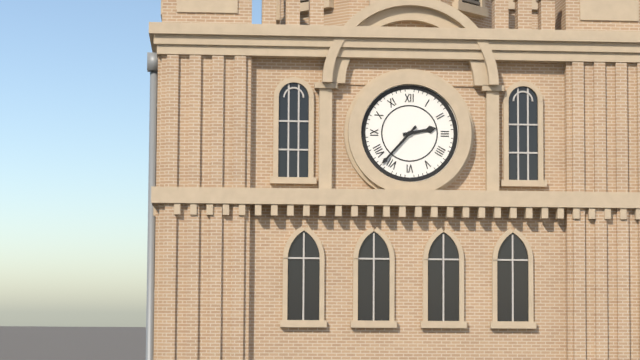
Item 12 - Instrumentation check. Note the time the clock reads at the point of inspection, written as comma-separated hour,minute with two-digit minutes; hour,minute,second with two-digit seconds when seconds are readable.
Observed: 2,37
